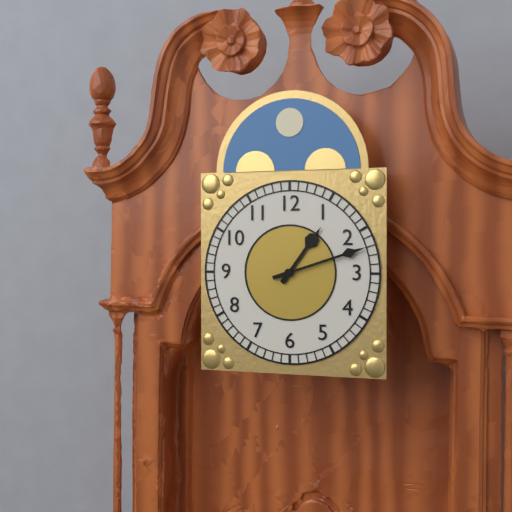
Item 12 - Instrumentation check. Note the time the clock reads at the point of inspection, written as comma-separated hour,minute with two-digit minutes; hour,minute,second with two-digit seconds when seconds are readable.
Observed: 1,12
